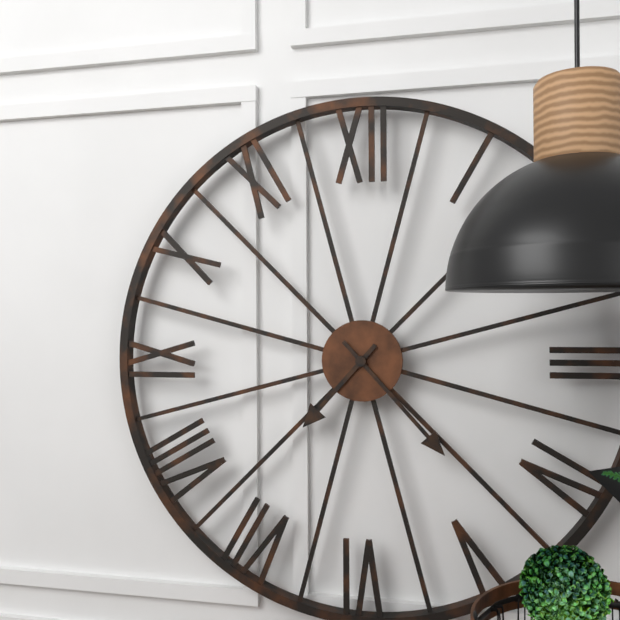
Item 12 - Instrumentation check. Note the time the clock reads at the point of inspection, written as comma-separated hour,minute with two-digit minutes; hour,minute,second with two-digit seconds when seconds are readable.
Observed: 7,23
